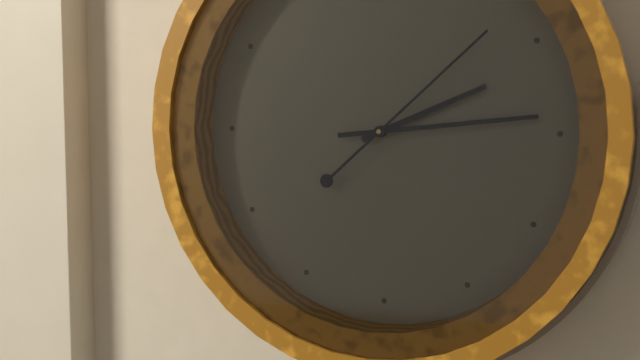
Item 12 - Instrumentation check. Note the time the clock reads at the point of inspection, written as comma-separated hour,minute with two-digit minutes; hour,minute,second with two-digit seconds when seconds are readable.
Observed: 2,14,08
